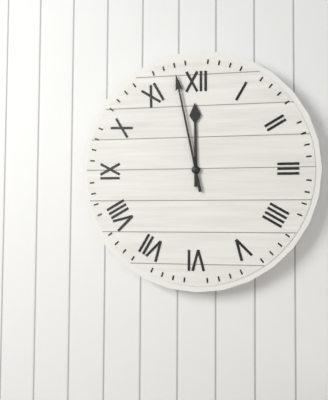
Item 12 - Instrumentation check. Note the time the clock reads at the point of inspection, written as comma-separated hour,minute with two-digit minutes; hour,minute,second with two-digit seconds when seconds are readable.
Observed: 11,58
